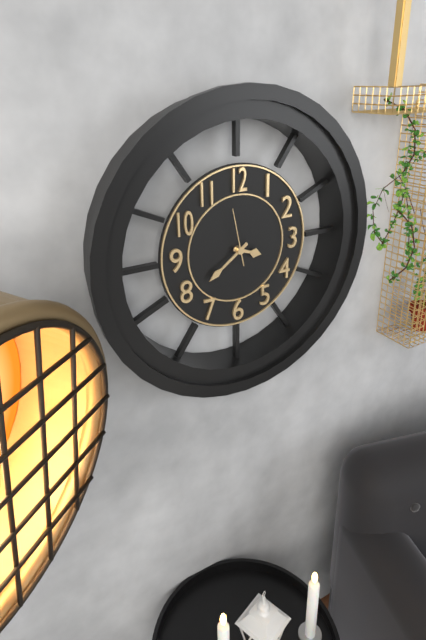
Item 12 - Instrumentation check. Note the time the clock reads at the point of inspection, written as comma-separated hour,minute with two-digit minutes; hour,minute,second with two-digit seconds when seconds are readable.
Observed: 3,39,58
